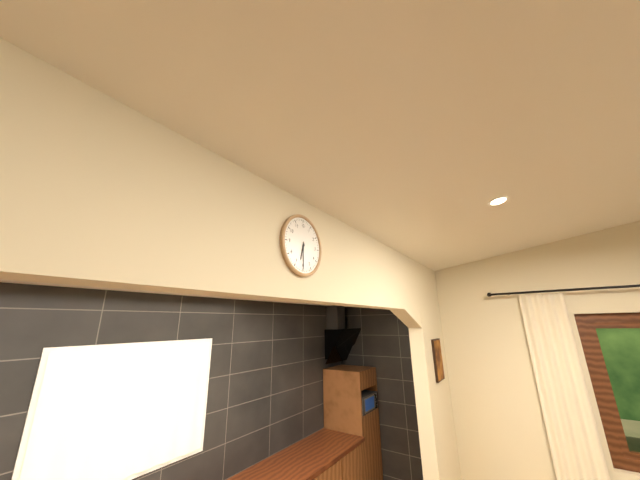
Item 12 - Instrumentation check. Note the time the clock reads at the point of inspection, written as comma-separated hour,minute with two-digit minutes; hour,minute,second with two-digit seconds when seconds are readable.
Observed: 6,30
